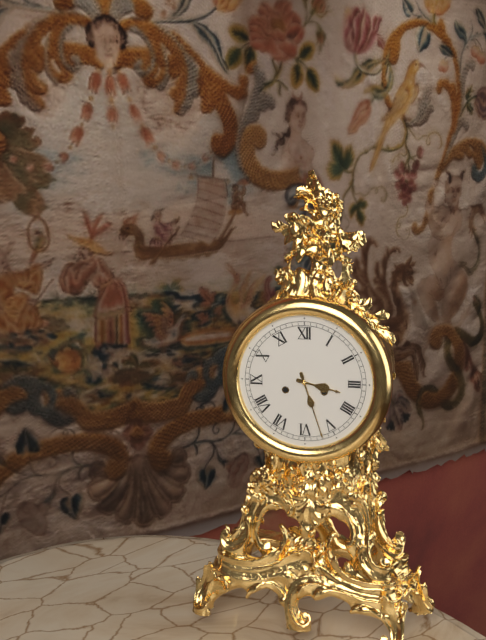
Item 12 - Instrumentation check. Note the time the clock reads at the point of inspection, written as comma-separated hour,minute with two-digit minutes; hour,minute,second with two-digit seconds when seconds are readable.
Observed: 3,27
